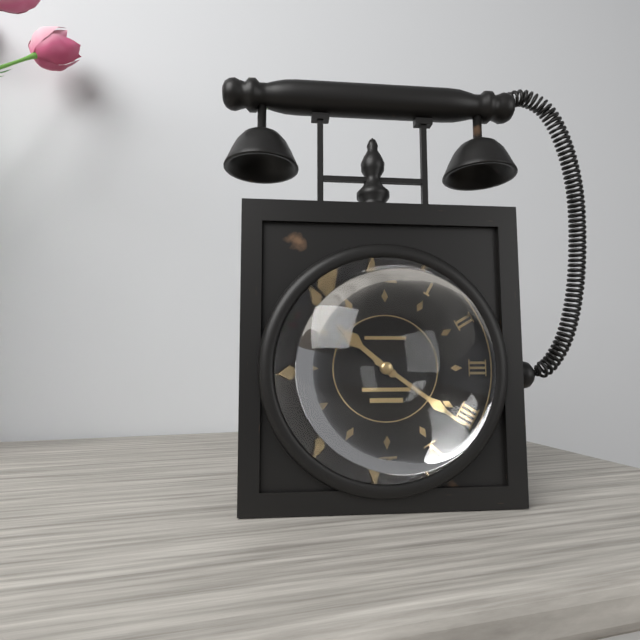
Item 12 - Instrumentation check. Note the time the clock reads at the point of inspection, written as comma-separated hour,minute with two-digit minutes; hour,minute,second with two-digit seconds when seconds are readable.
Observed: 10,21
